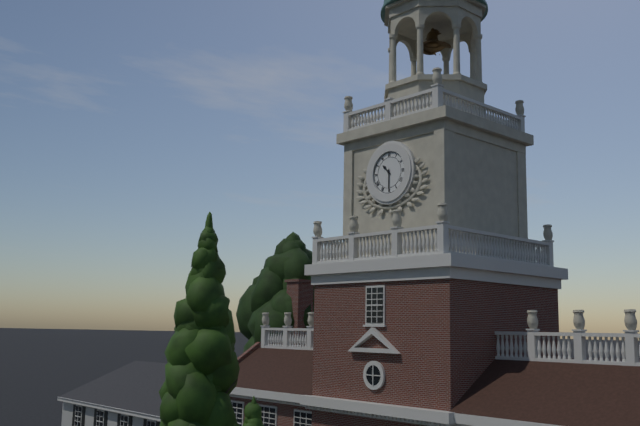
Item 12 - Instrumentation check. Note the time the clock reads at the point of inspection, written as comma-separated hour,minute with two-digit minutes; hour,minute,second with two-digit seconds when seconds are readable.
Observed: 10,30
